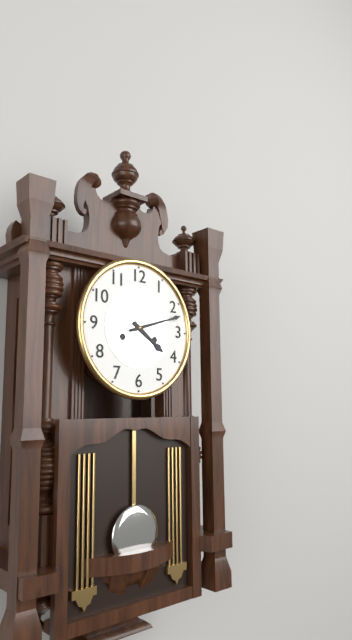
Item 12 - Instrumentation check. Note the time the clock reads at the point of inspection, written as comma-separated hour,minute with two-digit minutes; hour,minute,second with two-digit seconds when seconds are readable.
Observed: 4,12
